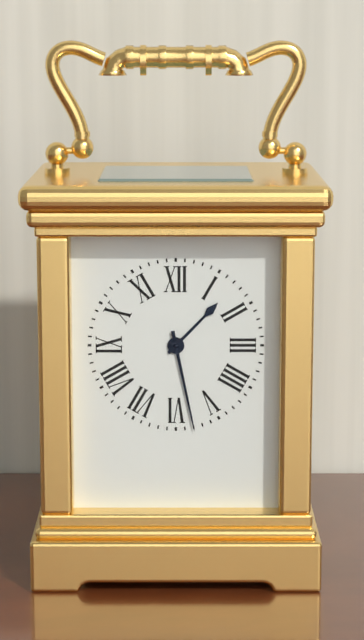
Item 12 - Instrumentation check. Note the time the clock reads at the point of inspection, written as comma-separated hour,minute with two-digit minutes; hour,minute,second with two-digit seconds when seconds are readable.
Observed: 1,28
